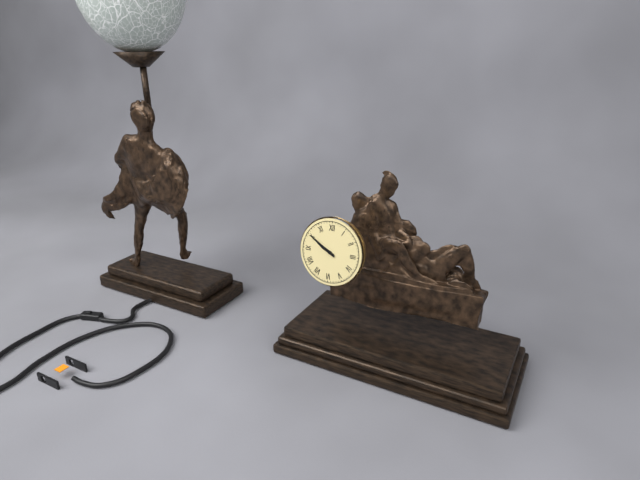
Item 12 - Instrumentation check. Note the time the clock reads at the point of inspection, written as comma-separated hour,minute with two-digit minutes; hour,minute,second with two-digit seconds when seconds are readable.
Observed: 9,50
